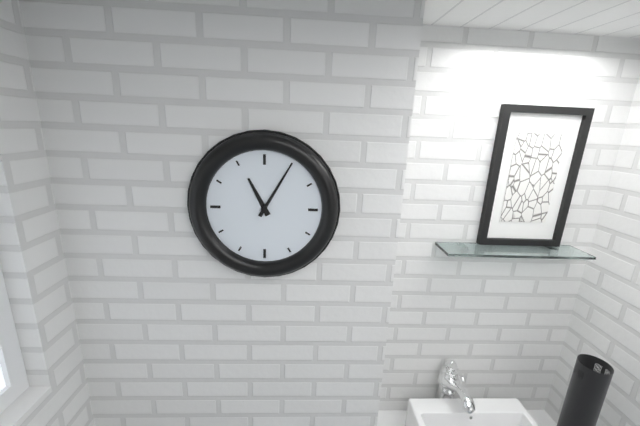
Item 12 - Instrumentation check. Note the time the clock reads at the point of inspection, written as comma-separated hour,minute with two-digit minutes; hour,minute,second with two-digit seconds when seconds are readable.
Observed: 11,05
